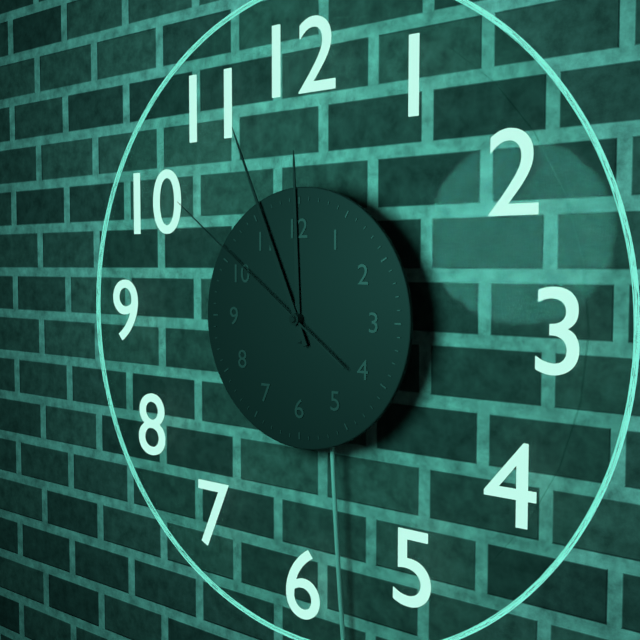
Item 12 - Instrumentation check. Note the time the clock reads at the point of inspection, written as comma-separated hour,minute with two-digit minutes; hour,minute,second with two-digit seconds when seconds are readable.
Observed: 11,56,51
